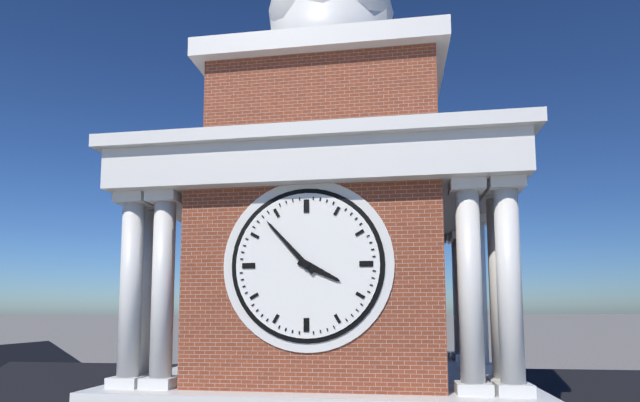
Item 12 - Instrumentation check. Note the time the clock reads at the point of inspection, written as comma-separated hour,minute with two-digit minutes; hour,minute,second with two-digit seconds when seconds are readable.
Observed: 3,53
